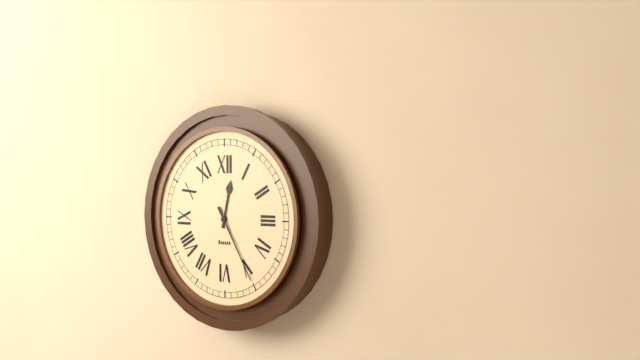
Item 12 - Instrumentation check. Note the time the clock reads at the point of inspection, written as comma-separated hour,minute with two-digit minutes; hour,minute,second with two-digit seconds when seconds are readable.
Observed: 12,25
